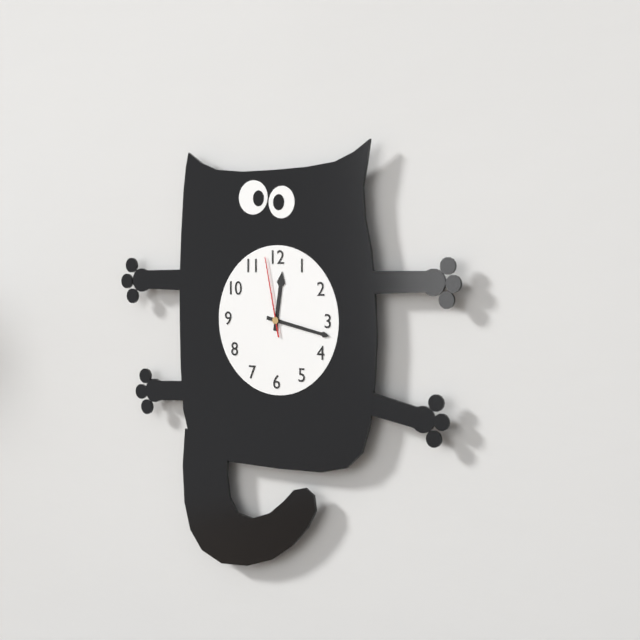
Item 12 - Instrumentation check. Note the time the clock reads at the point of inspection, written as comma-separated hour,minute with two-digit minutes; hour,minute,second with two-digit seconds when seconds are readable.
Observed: 12,17,58
